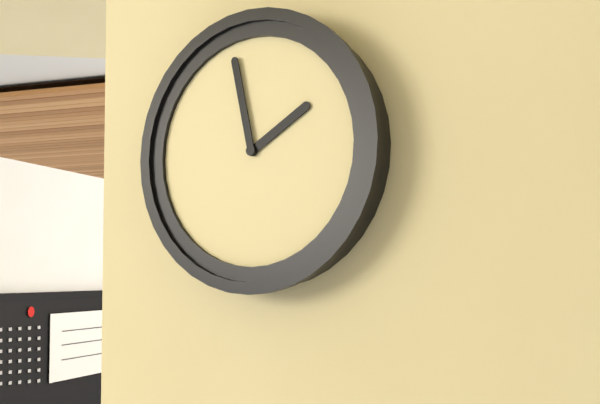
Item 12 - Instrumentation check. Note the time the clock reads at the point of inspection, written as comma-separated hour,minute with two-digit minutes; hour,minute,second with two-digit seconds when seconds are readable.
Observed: 1,58
